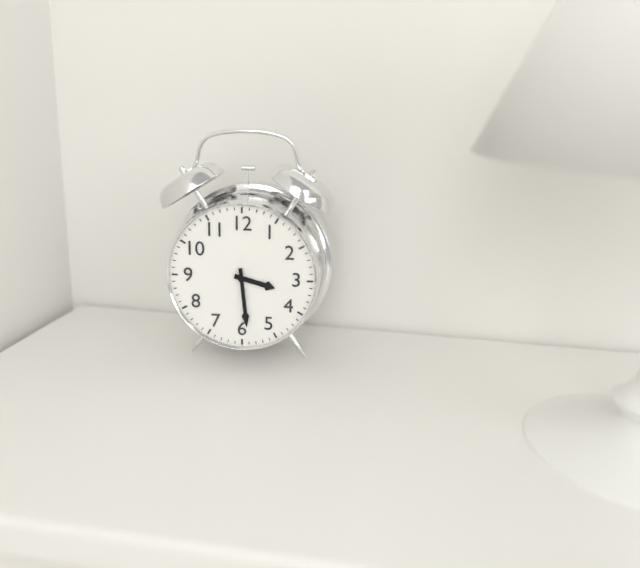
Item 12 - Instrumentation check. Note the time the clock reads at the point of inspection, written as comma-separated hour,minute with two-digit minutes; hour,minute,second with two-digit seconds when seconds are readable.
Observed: 3,29
